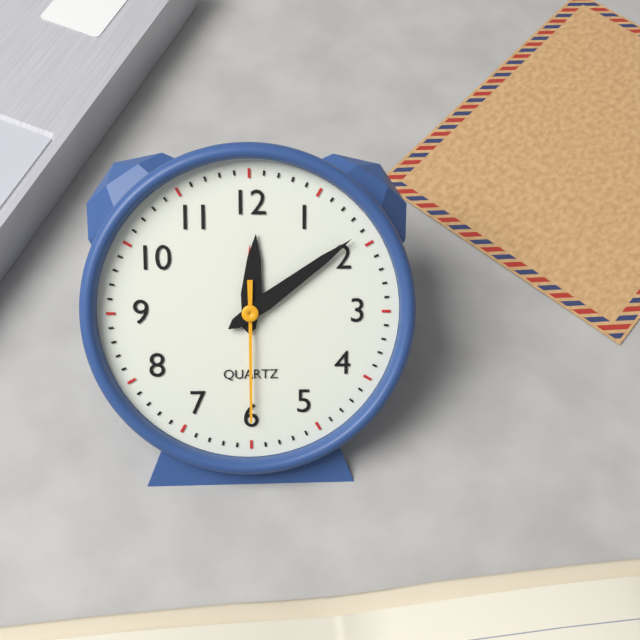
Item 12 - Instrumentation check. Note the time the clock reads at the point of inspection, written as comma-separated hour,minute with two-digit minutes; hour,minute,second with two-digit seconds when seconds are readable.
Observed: 12,09,30
